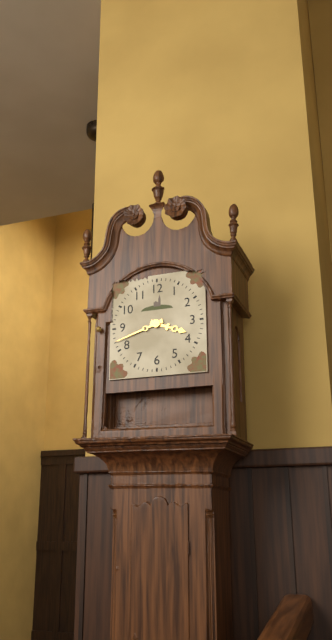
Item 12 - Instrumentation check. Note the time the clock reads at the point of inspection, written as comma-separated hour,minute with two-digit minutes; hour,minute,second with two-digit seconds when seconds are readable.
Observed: 3,42
